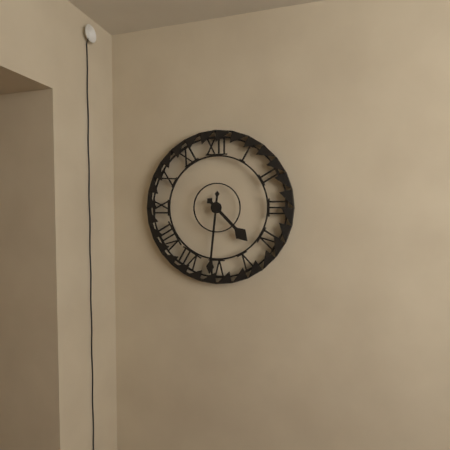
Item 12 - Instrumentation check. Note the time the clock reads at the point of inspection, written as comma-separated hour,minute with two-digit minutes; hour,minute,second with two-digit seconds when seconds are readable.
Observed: 4,31
